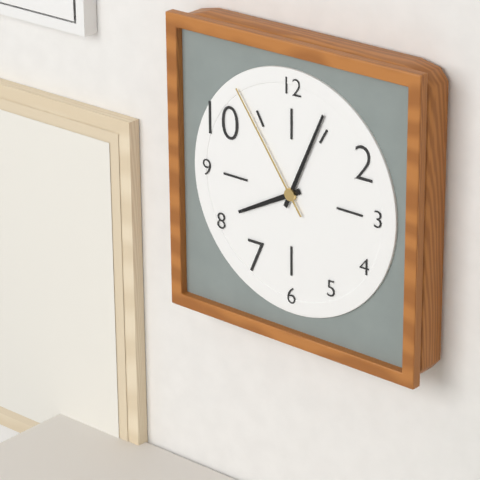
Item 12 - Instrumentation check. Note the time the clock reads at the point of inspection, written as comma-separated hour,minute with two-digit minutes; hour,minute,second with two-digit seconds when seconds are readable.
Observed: 8,04,54
